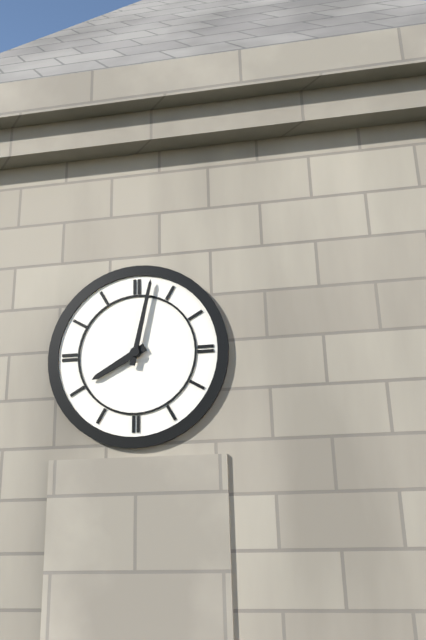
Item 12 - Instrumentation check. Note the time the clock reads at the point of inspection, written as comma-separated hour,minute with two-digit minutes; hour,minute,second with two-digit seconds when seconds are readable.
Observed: 8,02
